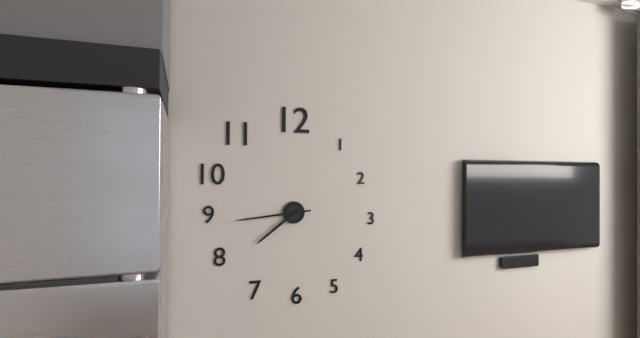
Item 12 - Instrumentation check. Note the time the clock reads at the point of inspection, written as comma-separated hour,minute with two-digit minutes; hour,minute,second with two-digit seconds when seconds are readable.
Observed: 7,44
